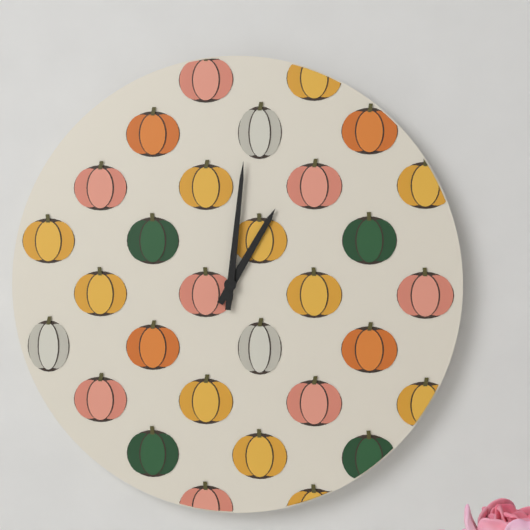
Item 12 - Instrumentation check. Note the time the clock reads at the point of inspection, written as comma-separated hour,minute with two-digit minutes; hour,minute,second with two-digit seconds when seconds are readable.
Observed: 1,01
